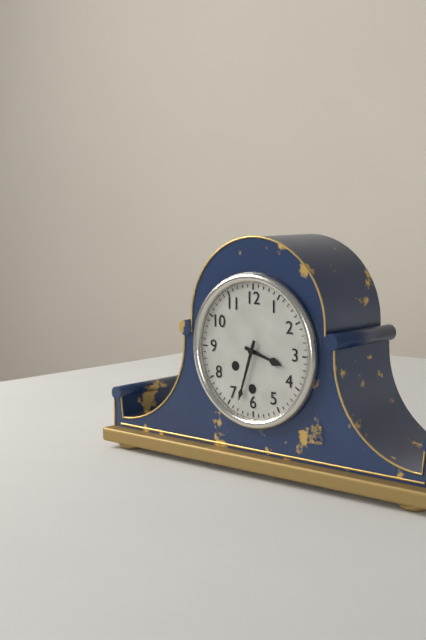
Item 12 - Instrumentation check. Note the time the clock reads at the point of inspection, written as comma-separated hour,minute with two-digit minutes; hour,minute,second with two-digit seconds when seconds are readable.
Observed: 3,33
